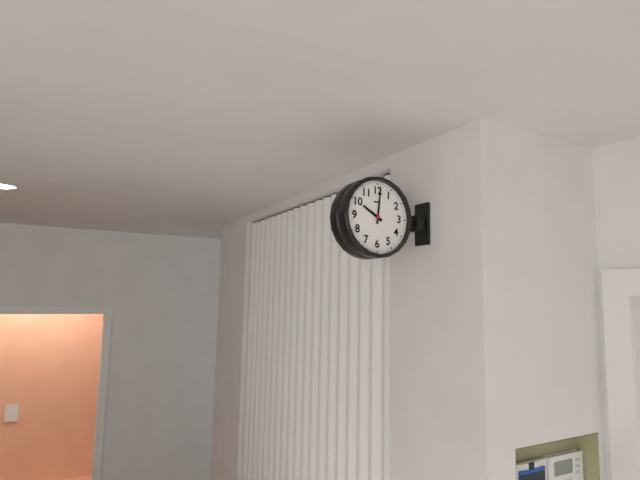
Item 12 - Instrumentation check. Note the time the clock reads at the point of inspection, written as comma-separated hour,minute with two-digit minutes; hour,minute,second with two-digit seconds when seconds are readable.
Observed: 10,01
